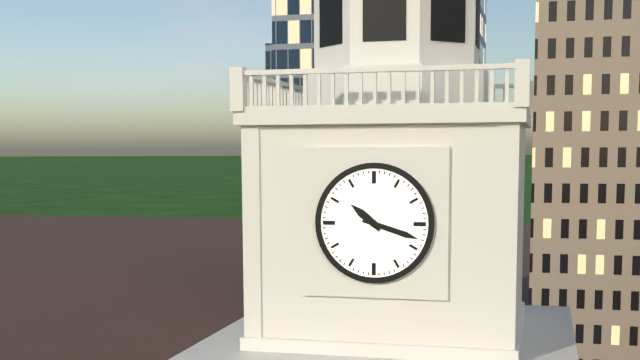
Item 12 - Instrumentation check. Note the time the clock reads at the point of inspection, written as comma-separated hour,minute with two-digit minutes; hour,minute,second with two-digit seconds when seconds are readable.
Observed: 10,18
